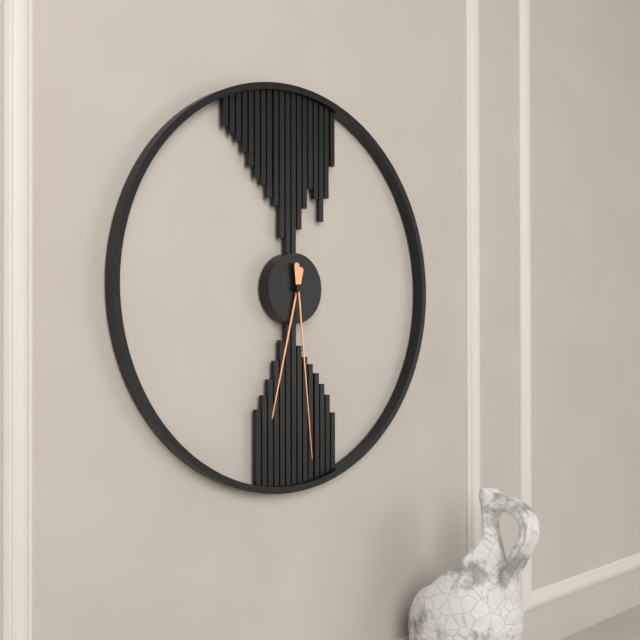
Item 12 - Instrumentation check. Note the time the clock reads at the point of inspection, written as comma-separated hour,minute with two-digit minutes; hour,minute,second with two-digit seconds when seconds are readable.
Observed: 6,29
